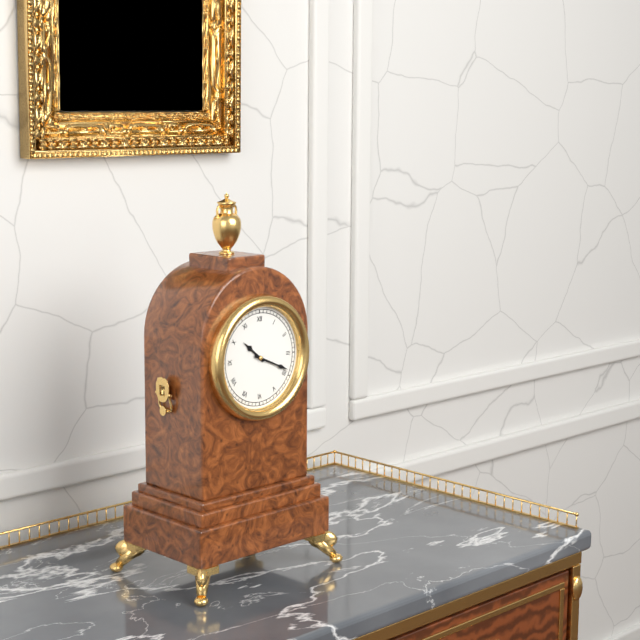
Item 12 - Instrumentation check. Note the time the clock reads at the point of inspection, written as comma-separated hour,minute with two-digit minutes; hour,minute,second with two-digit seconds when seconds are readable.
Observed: 10,19
